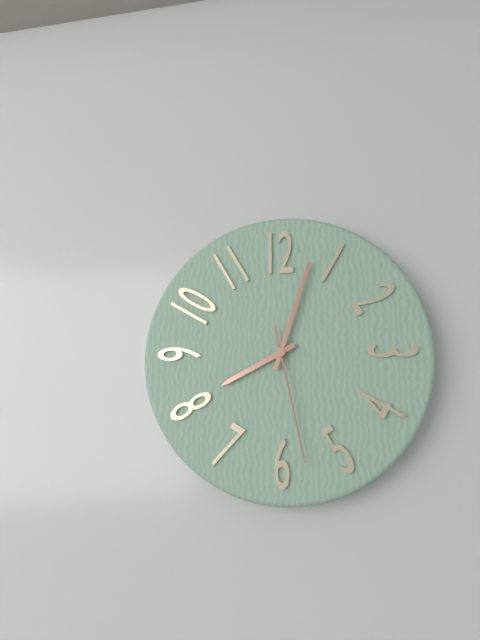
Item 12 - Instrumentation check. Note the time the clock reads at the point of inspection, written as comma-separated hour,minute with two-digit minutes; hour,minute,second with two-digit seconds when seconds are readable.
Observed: 8,03,28
